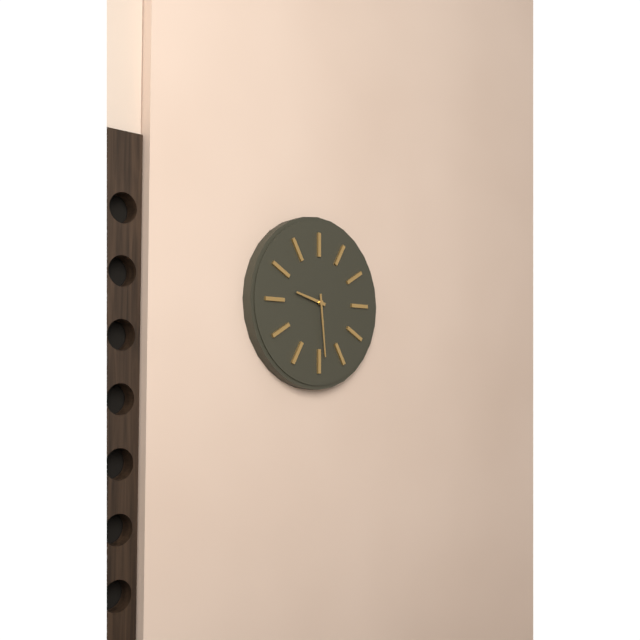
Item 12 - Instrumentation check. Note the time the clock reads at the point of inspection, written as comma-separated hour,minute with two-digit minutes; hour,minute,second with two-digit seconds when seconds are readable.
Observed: 9,29
